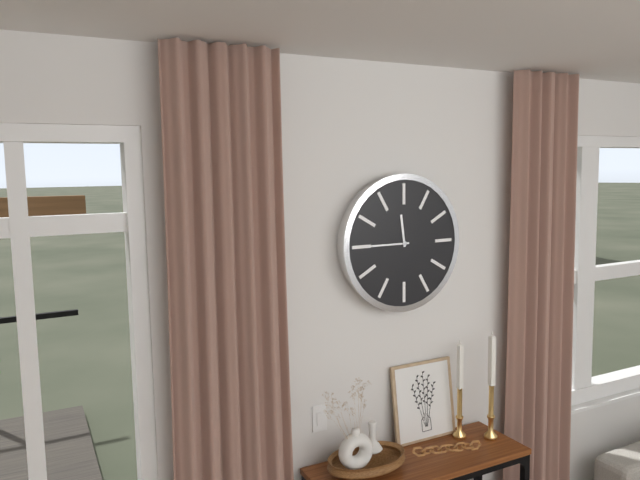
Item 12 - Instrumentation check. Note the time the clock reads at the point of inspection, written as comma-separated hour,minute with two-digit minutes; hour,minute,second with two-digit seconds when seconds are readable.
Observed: 11,45
